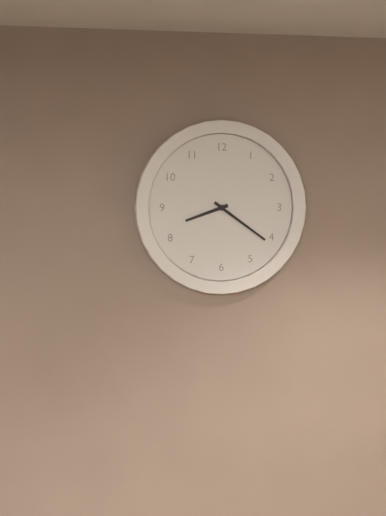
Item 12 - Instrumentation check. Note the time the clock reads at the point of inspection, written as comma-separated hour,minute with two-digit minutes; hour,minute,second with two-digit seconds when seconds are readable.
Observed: 8,21
